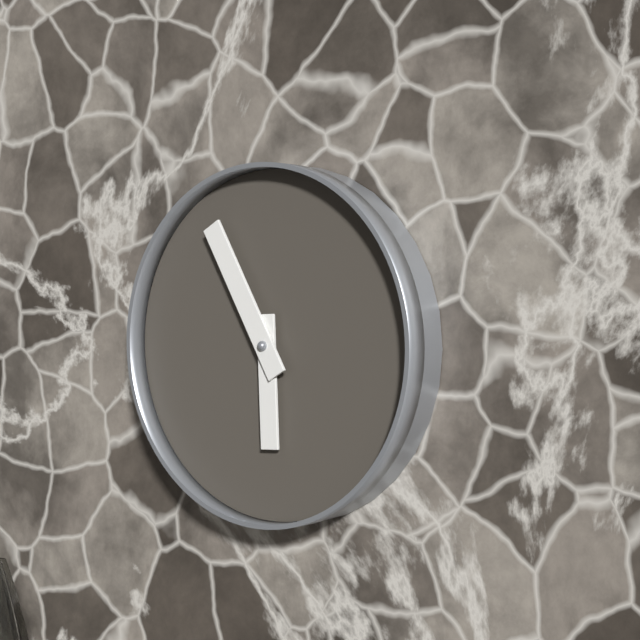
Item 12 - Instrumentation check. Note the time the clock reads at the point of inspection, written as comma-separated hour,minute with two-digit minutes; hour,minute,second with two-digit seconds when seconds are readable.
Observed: 5,55
